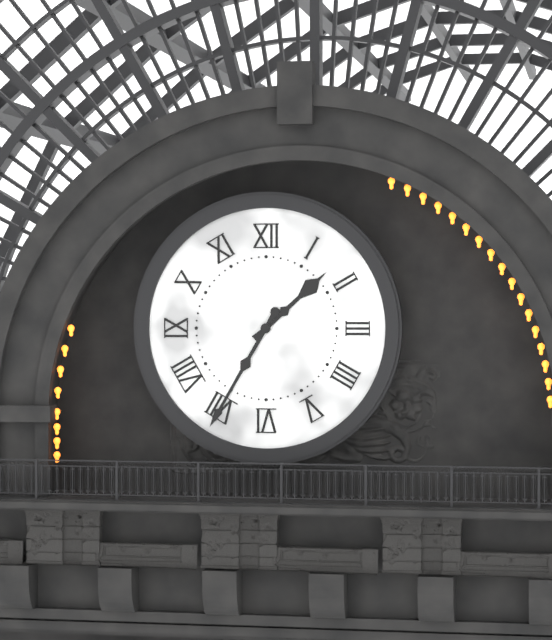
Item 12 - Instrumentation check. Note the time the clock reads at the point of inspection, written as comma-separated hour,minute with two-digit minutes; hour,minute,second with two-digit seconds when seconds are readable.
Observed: 1,35
